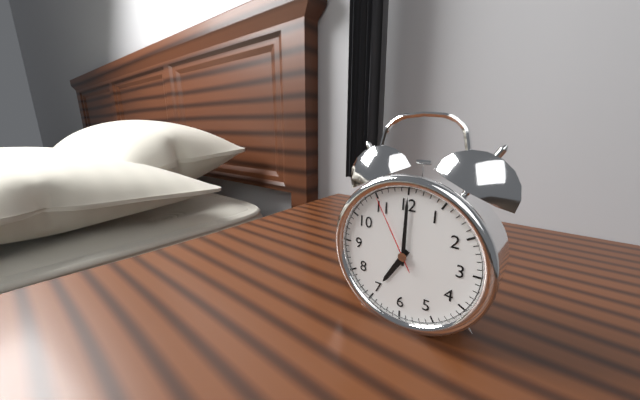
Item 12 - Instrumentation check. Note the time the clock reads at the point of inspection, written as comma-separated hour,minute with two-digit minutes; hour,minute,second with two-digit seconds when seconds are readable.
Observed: 7,00,55
